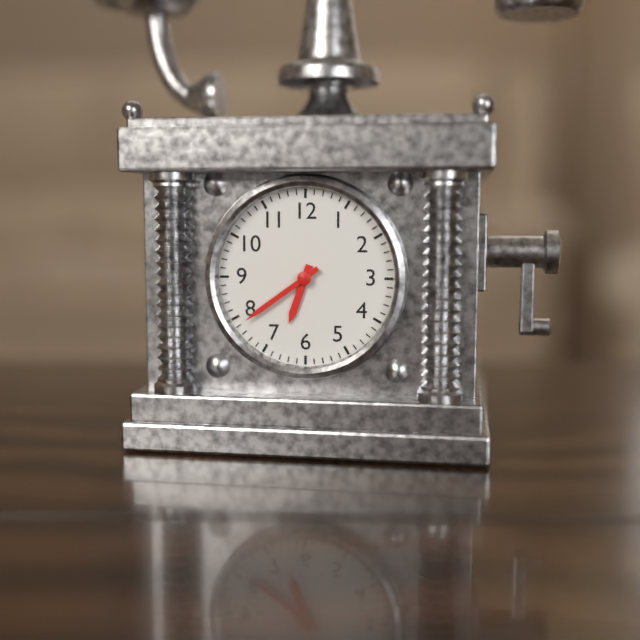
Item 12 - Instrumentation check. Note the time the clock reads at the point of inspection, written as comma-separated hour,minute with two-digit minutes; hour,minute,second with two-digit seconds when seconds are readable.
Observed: 6,39
